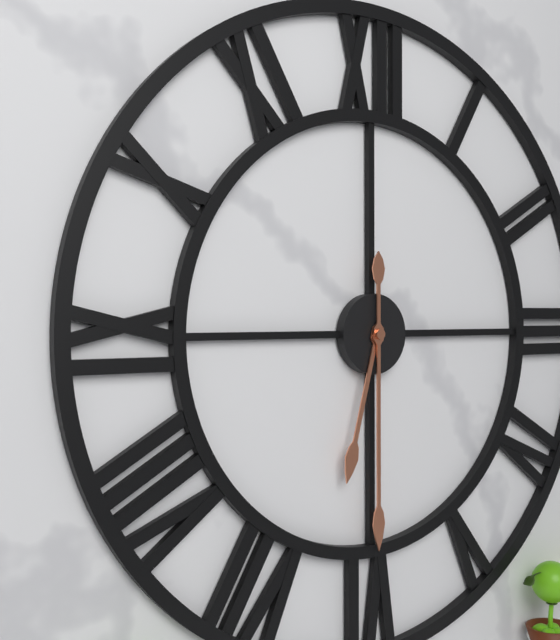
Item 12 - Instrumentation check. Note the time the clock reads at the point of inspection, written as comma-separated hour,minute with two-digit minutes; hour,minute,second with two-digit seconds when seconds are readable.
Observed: 6,30
